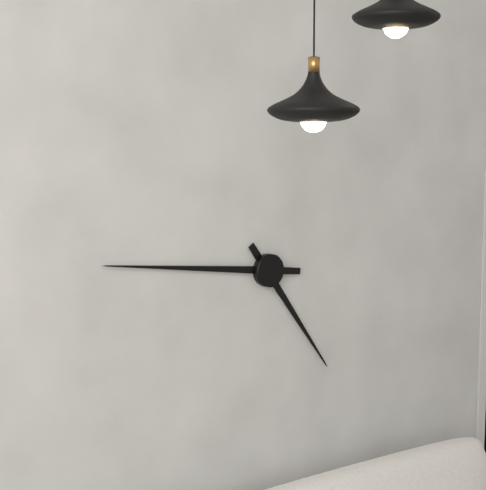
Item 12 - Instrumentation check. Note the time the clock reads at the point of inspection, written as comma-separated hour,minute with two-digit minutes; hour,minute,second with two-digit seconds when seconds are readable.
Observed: 4,46
